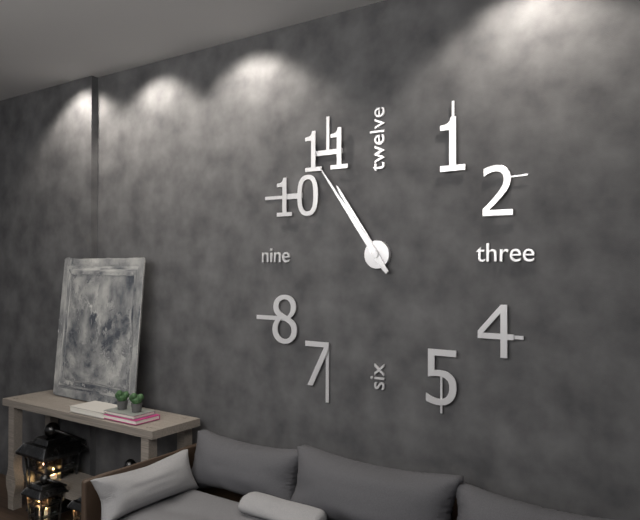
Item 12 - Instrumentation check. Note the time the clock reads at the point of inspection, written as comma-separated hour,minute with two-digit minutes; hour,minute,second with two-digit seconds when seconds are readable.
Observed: 10,54
